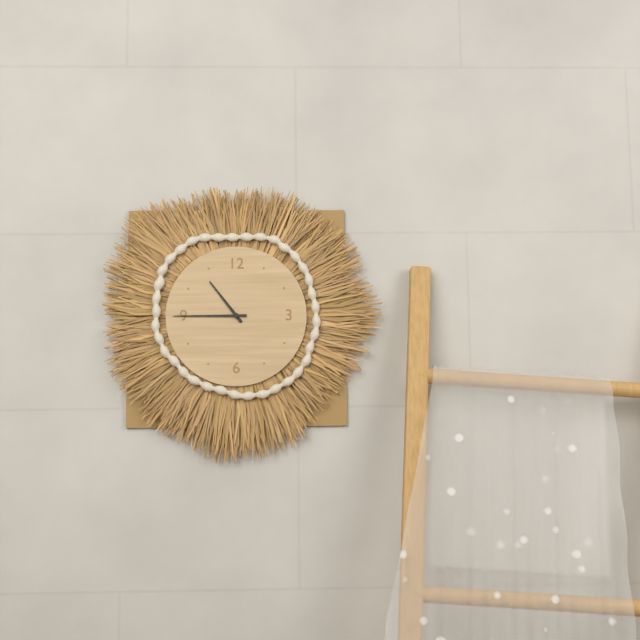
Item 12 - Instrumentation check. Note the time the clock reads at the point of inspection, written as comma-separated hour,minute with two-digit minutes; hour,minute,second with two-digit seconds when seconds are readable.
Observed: 10,45
